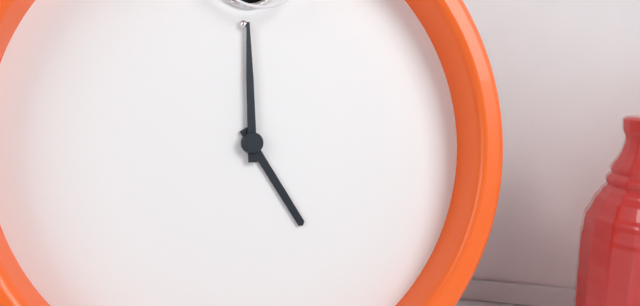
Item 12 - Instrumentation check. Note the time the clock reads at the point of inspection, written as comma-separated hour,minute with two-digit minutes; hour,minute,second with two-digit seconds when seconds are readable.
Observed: 5,00
